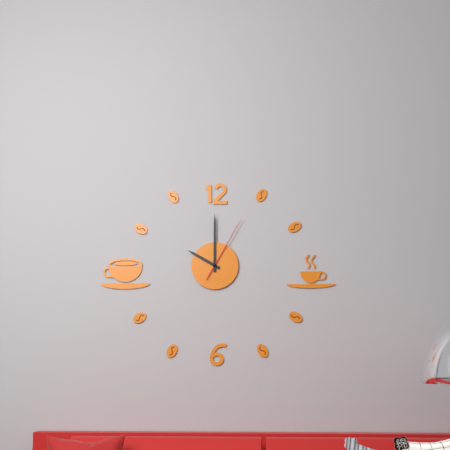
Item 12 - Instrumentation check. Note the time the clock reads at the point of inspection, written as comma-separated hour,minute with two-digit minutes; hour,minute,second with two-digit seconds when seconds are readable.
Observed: 10,00,05
